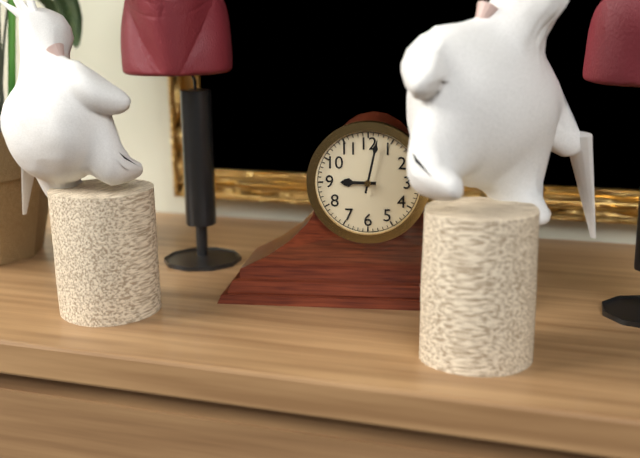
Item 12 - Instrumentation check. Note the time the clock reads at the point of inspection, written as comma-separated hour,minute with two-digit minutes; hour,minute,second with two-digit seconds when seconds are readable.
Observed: 9,02
